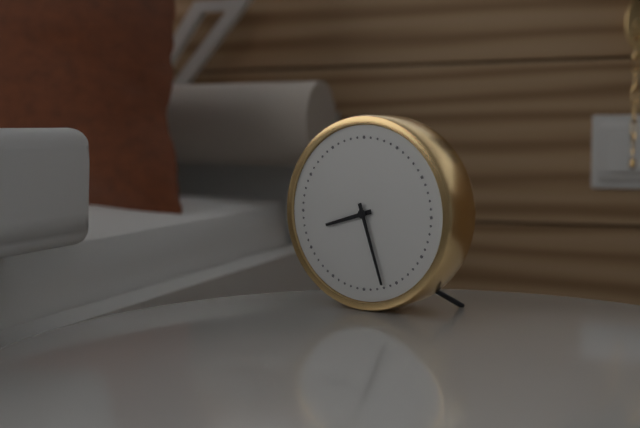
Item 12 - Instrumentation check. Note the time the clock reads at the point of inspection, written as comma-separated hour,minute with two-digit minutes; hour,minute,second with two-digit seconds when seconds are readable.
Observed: 8,27
